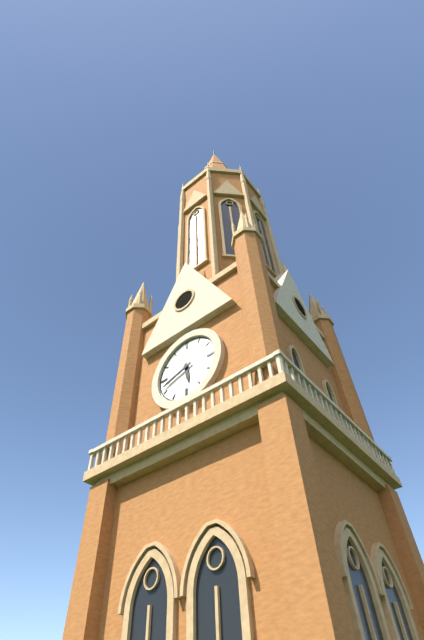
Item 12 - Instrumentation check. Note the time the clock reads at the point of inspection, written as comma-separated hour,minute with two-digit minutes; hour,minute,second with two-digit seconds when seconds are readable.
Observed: 5,42
